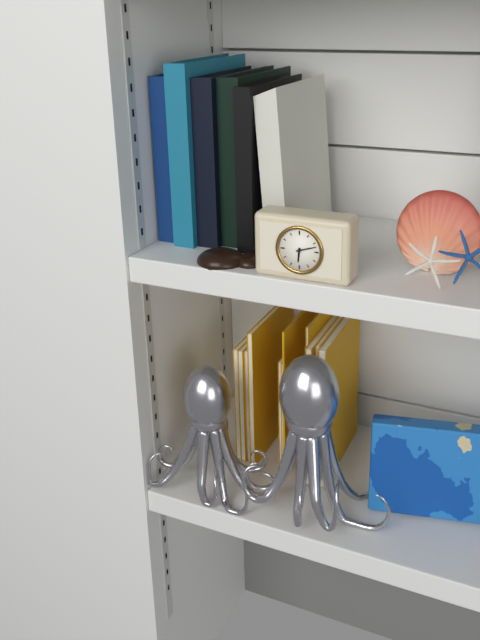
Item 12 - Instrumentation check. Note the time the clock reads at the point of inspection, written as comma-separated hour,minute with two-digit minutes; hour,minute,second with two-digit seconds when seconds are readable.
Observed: 6,12
